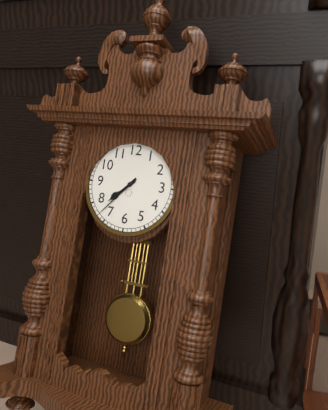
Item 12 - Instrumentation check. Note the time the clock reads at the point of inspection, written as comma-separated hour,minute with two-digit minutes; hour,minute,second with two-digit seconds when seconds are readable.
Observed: 7,37
